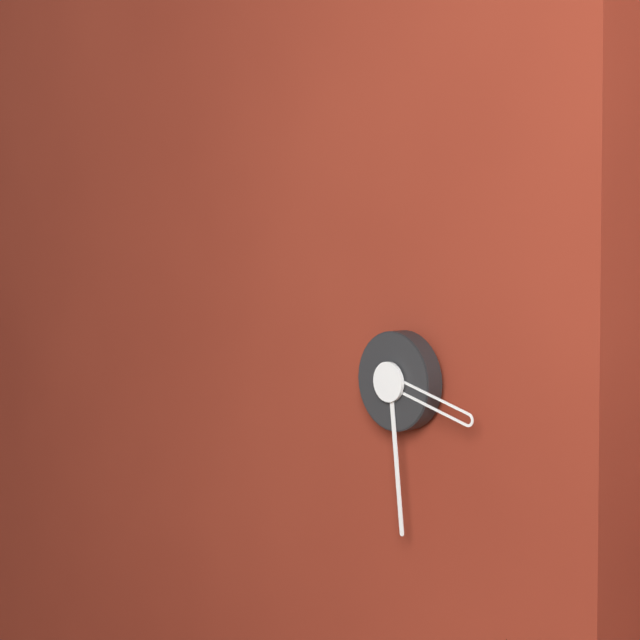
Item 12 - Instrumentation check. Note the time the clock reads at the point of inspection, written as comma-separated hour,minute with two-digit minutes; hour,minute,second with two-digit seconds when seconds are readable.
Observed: 3,29
